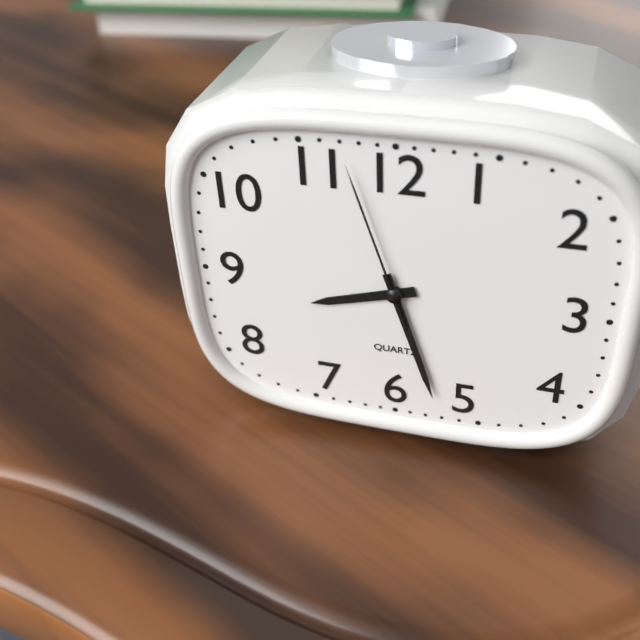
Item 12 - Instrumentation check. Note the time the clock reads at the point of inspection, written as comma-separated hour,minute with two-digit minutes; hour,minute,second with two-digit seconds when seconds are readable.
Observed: 8,27,57
